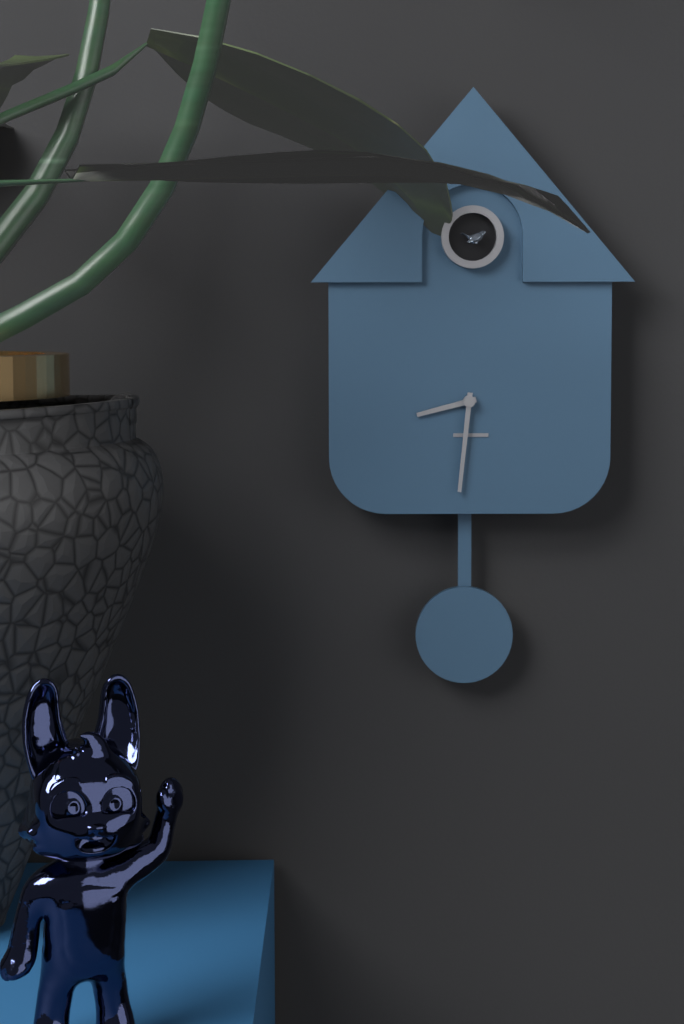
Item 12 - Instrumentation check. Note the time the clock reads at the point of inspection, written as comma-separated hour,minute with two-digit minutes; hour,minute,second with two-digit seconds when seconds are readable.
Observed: 8,31
